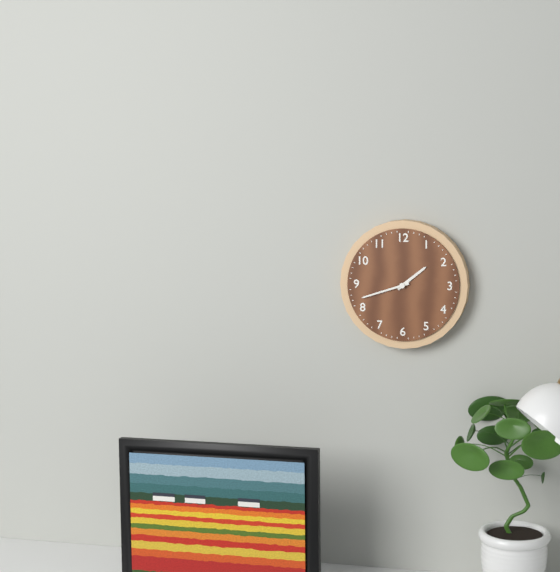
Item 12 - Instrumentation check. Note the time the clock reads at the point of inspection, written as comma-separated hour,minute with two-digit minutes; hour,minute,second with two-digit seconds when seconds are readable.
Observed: 1,42
